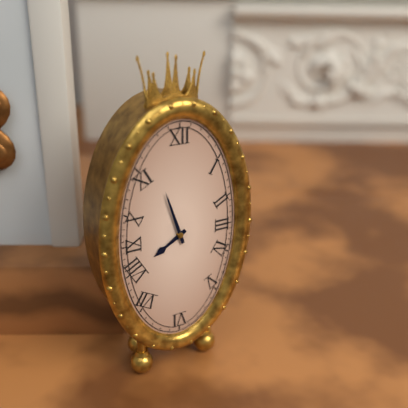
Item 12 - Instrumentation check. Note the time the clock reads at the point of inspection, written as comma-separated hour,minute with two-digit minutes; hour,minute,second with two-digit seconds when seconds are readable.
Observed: 7,57
